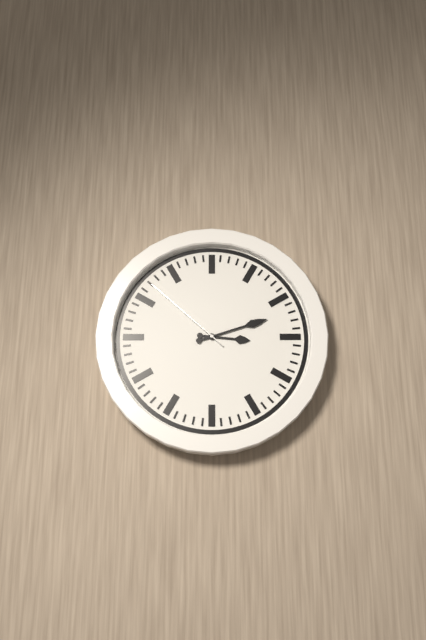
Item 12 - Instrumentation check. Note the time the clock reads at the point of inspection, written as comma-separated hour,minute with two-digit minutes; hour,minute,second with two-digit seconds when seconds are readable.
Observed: 3,12,52
